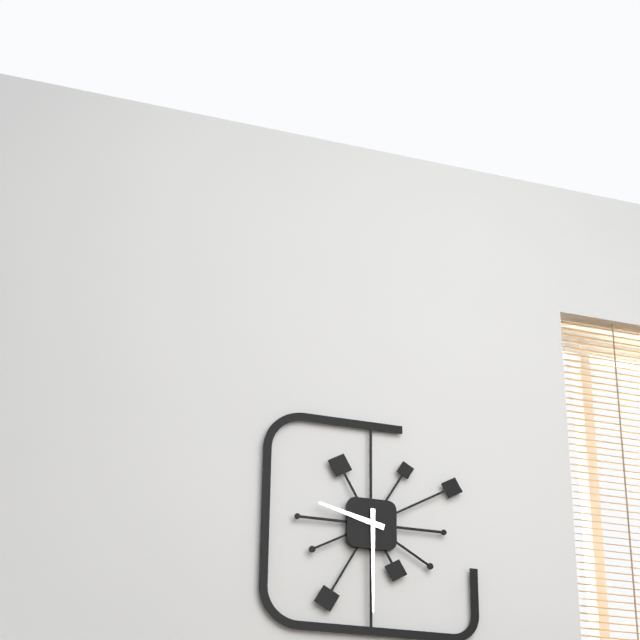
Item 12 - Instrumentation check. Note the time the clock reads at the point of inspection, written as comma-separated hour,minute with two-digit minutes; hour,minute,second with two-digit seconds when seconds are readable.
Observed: 9,30
